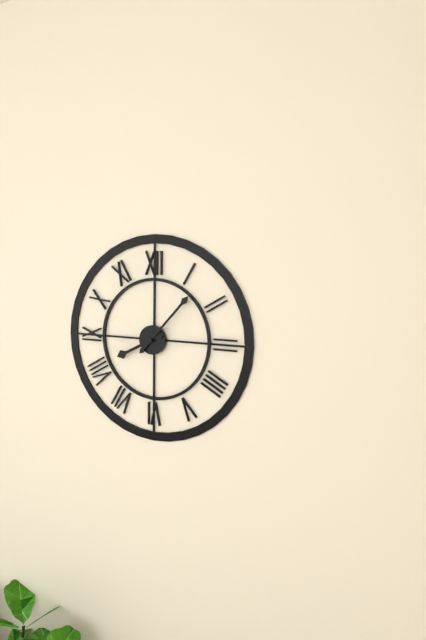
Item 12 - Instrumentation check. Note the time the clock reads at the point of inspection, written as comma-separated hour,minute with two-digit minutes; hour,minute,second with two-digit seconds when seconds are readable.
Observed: 8,07
